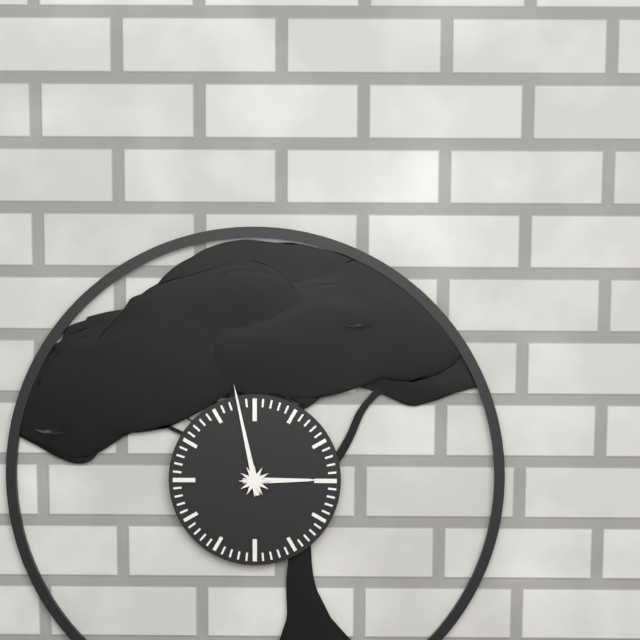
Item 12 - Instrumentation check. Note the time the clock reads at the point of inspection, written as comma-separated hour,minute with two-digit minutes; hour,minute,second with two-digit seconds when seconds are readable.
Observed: 2,58
